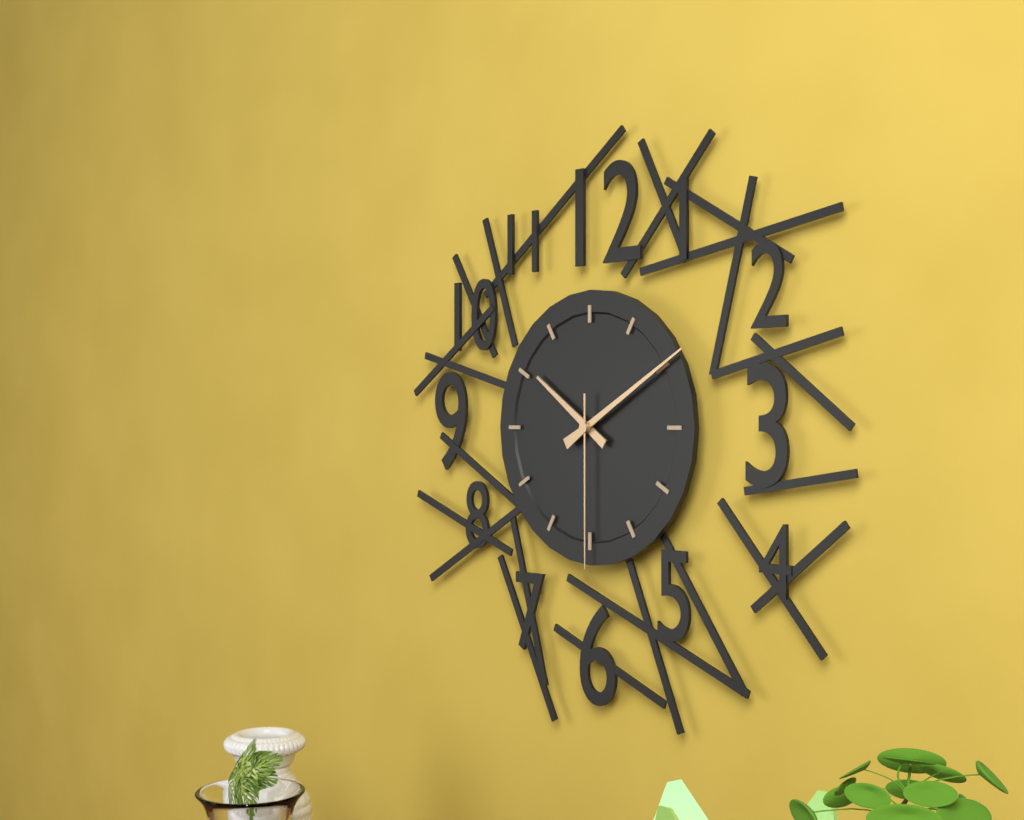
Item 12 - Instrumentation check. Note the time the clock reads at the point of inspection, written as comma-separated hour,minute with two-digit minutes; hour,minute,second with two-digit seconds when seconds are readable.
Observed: 10,10,30
